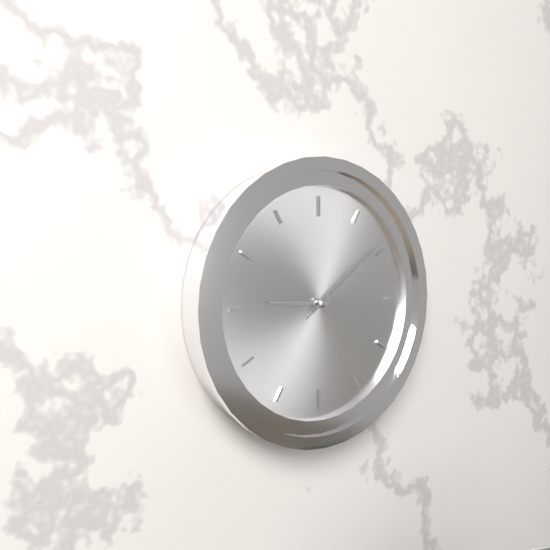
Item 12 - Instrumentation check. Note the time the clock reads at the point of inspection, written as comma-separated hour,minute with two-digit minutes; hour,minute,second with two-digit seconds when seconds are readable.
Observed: 9,09,09
